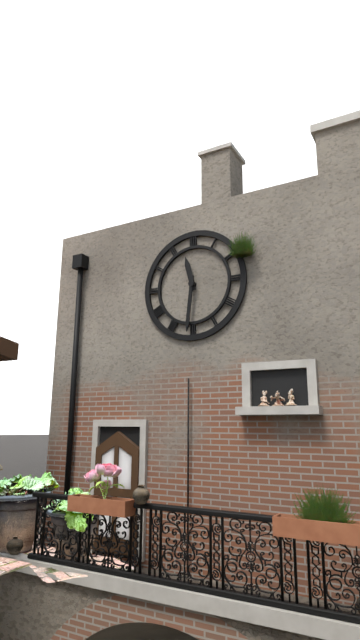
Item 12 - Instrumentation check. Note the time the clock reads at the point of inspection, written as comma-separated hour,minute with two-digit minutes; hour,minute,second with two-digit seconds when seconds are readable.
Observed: 11,31
